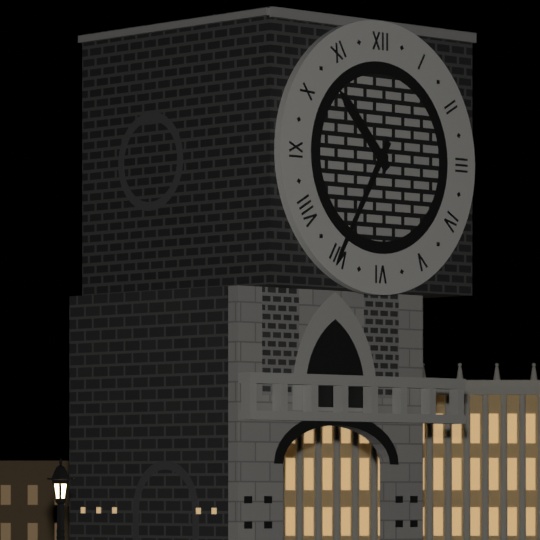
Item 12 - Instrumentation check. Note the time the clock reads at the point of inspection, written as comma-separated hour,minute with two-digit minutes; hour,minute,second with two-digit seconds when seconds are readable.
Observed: 10,35
